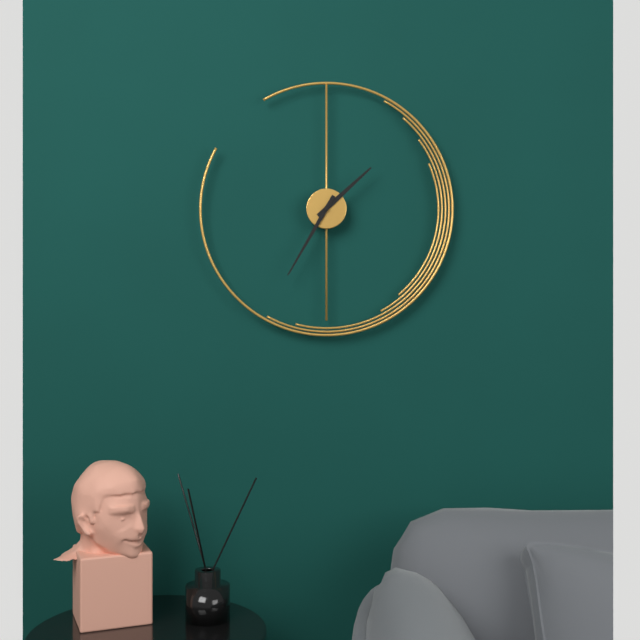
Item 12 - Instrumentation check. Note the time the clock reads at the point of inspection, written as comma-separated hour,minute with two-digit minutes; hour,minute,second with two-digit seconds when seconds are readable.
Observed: 1,35
